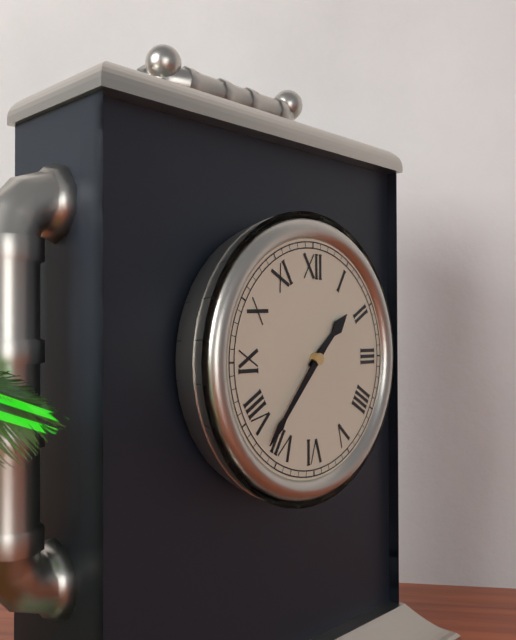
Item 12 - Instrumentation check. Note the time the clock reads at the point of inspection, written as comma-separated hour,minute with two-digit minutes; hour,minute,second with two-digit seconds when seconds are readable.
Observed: 1,37
